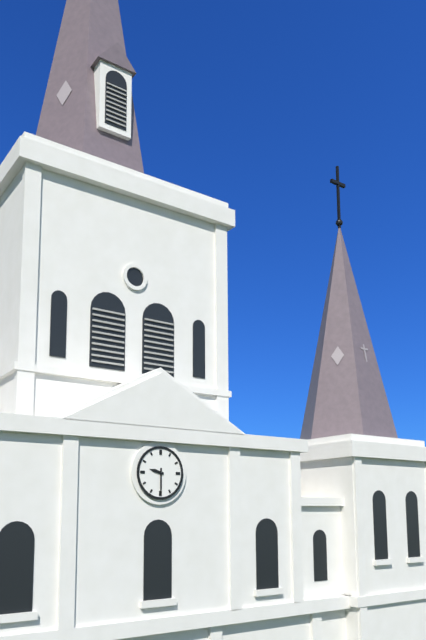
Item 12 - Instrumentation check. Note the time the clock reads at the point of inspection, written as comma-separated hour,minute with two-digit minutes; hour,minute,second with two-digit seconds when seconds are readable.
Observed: 9,30
